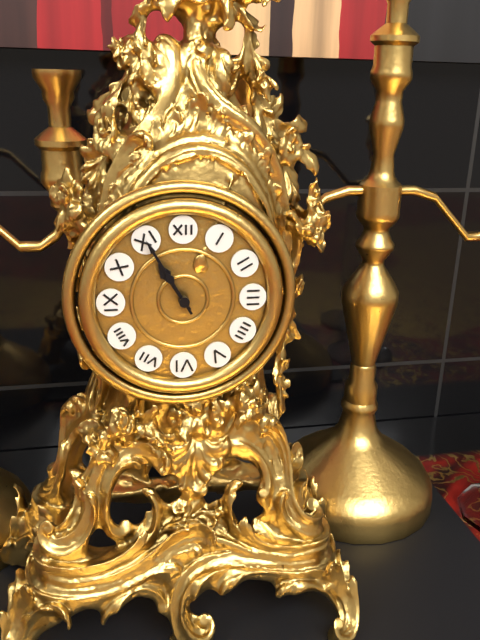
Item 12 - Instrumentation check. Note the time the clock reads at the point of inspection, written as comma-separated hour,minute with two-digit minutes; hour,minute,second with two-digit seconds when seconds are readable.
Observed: 10,55
